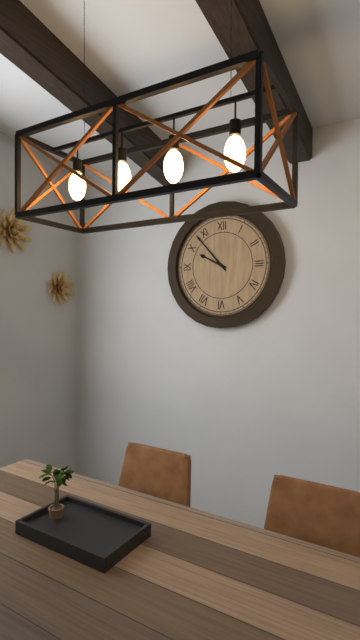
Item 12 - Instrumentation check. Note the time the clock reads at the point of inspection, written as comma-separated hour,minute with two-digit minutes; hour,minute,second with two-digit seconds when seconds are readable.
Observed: 9,53
